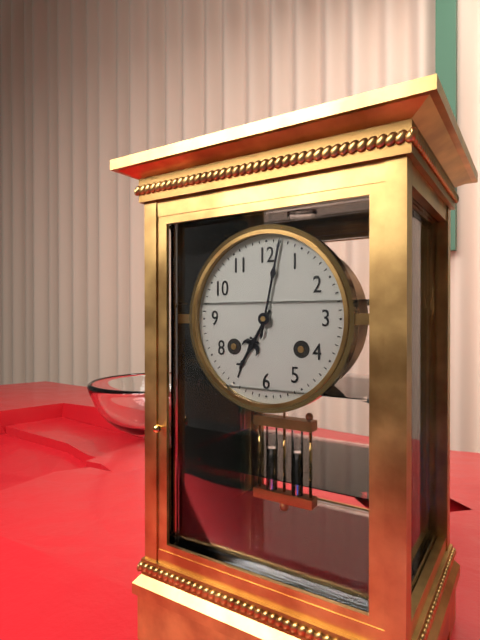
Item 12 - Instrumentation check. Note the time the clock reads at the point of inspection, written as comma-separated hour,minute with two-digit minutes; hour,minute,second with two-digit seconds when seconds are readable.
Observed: 7,02
